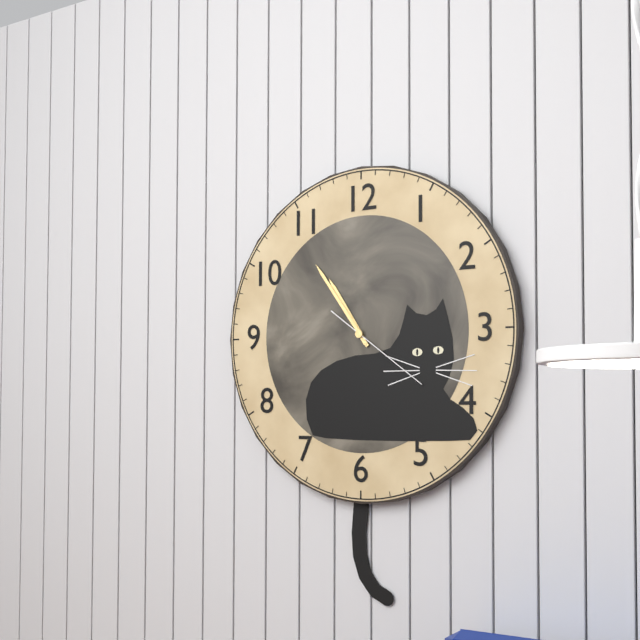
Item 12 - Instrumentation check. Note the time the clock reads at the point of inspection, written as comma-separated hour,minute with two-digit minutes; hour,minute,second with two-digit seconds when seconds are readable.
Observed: 10,54,21
